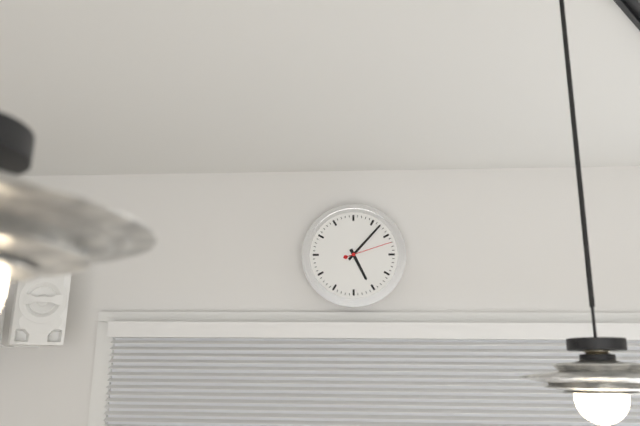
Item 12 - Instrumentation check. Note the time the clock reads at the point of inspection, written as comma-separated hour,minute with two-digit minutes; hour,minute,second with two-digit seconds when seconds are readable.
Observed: 5,07
